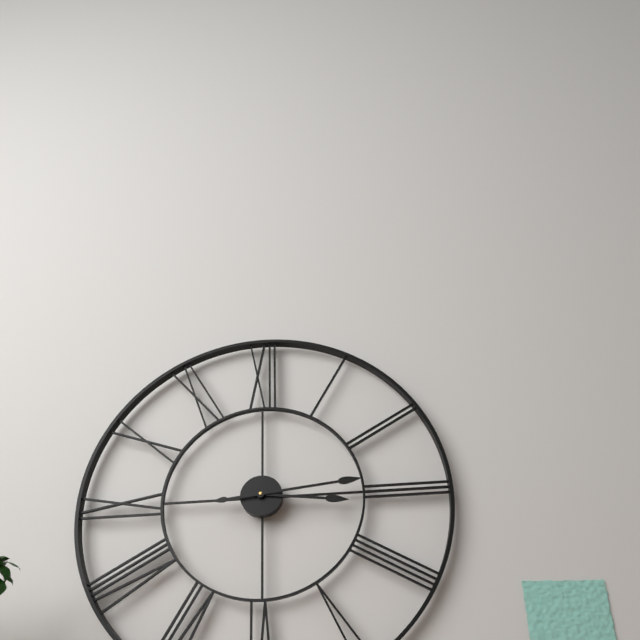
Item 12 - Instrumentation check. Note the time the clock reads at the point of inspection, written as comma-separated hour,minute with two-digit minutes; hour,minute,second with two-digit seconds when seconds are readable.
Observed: 3,14
